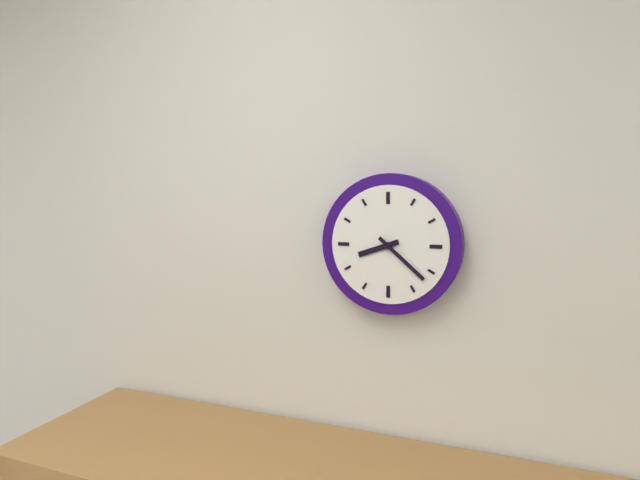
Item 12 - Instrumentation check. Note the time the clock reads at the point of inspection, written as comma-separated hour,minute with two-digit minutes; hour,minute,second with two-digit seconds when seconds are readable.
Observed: 8,22
